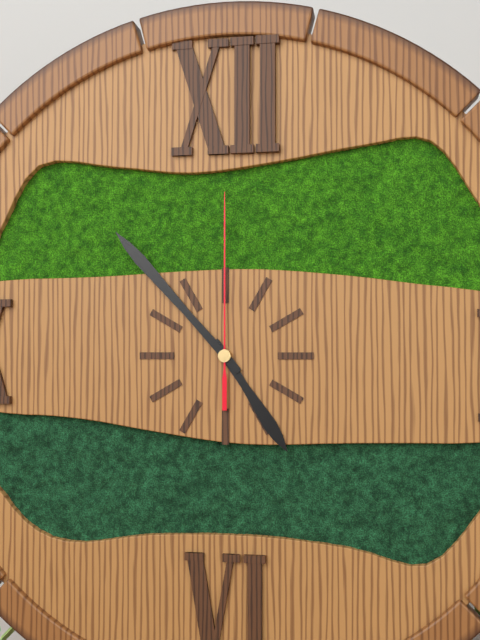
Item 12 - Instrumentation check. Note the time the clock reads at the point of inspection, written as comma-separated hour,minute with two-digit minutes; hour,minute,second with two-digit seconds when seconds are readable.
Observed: 4,53,00
